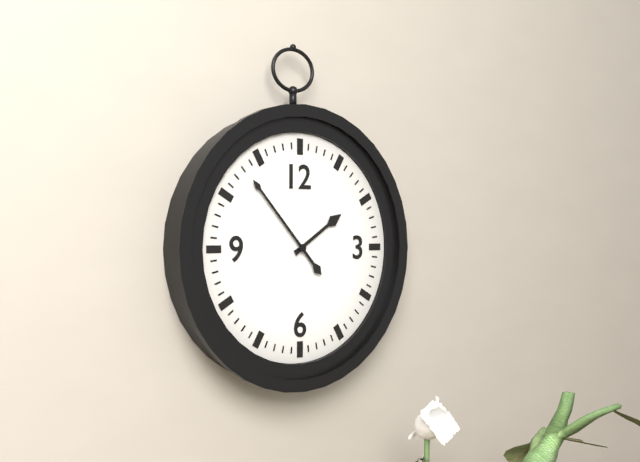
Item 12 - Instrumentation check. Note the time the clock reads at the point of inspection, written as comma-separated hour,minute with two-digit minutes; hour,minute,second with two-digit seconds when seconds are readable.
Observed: 1,53
